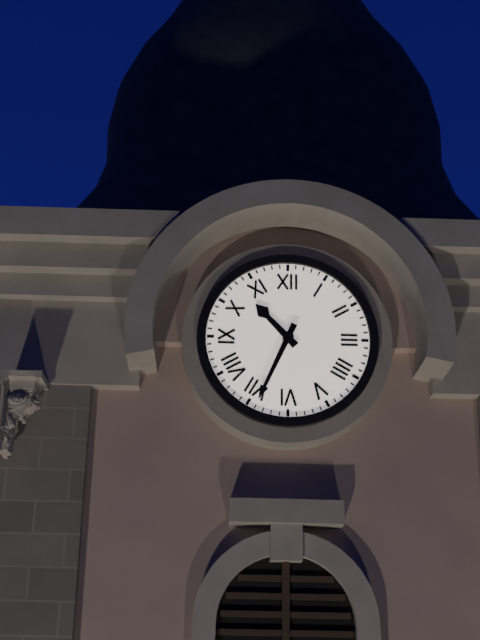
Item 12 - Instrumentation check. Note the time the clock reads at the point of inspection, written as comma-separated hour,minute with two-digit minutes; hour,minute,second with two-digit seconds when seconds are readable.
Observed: 10,34
